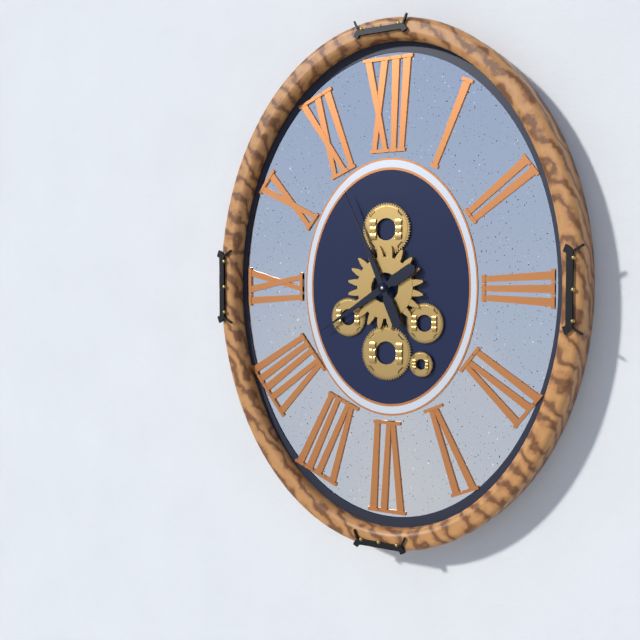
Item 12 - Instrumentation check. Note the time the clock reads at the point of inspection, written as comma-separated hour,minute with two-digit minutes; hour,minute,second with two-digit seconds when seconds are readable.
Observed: 7,56
